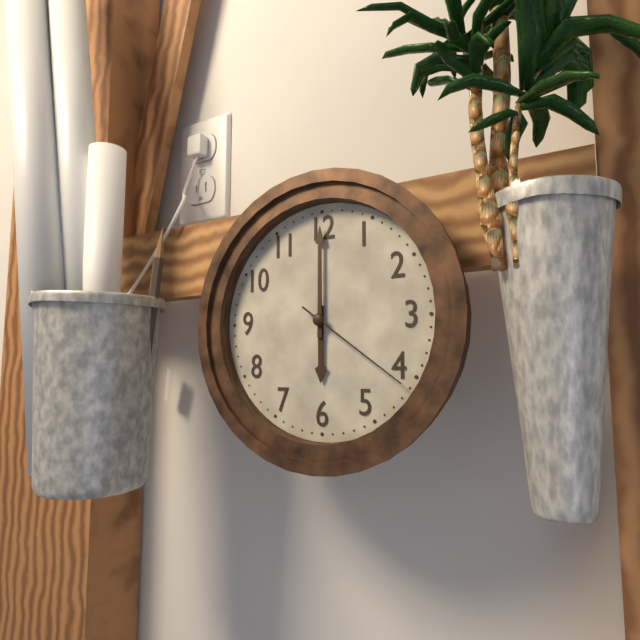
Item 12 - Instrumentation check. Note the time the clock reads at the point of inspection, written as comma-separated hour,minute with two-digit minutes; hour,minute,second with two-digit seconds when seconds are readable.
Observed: 6,00,21
